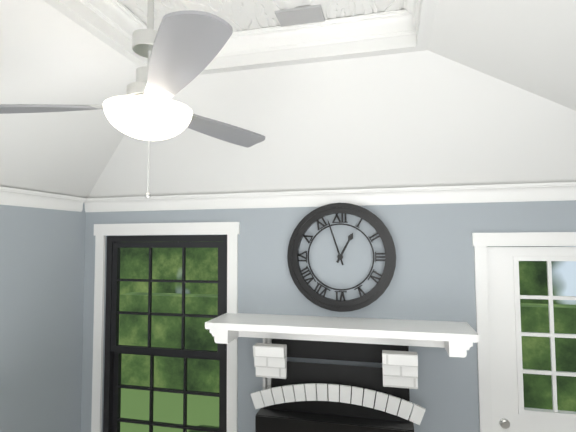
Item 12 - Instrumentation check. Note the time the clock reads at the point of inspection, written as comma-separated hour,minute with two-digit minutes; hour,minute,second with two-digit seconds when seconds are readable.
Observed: 12,57
